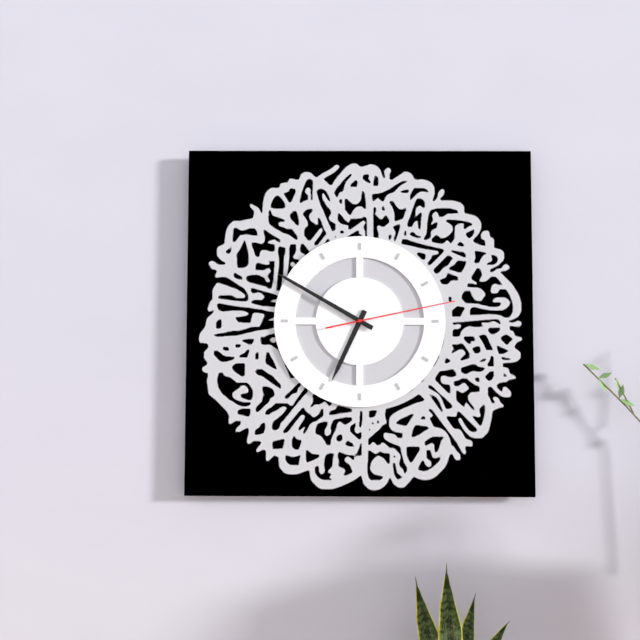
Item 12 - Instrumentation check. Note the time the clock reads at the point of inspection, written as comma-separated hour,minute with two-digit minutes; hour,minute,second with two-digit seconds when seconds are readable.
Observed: 6,50,13
